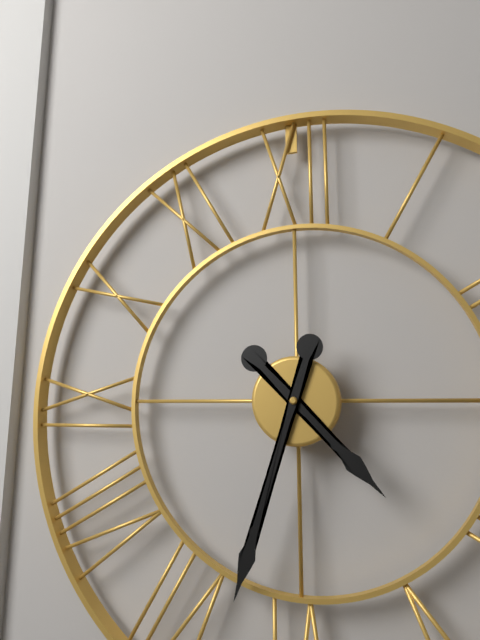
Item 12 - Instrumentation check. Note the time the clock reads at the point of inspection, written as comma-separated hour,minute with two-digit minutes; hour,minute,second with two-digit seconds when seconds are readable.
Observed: 4,33
